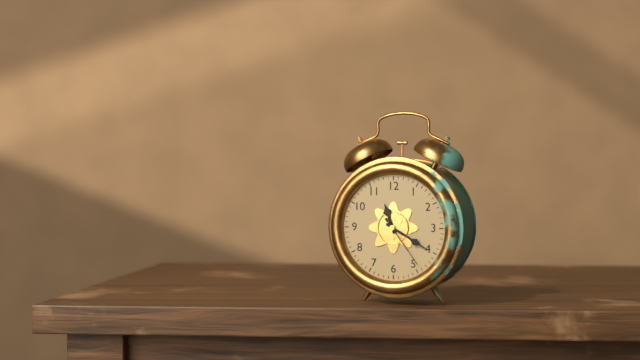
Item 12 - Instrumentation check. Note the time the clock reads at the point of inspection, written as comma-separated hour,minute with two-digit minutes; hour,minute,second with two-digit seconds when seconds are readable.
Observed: 11,20,24
